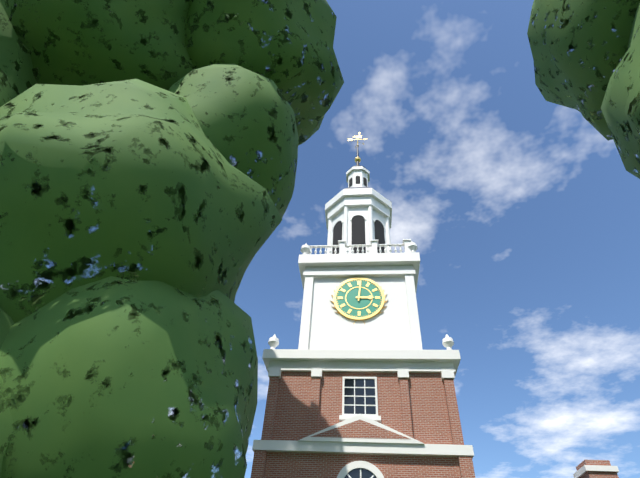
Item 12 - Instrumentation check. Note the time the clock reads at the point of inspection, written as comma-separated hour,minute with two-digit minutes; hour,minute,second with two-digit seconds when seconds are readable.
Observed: 3,01
